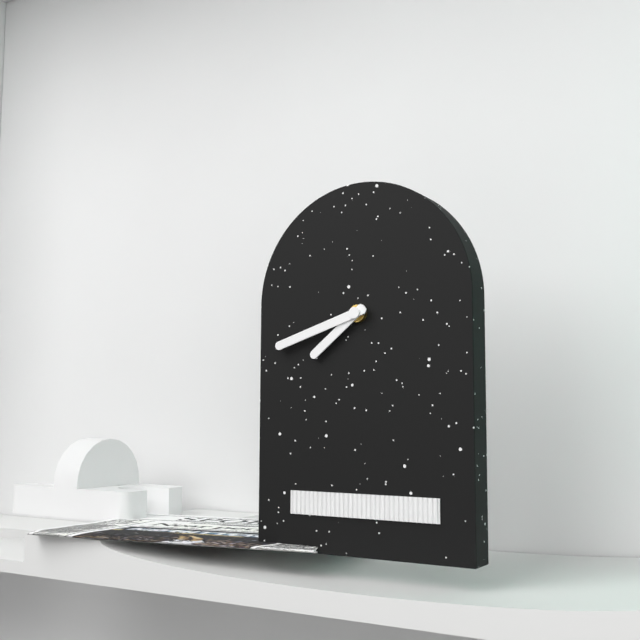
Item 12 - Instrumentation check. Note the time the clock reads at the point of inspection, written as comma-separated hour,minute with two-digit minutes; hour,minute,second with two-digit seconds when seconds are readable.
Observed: 7,42
